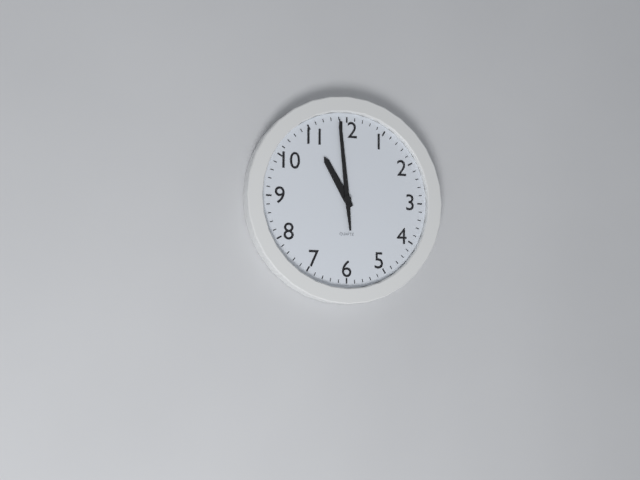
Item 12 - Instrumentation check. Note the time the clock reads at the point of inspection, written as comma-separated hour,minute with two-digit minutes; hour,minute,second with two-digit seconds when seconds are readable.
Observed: 10,59
